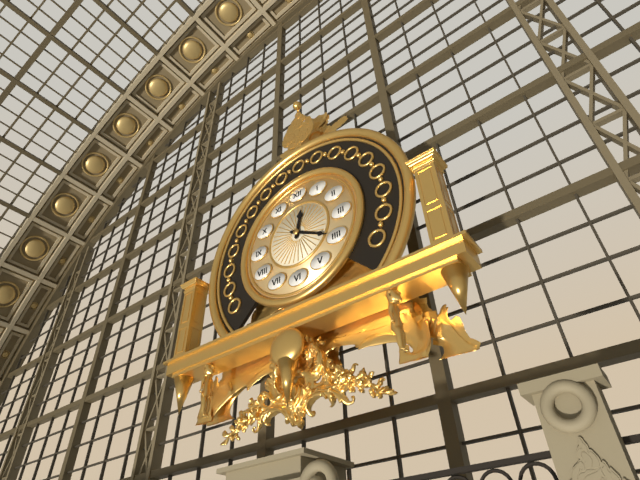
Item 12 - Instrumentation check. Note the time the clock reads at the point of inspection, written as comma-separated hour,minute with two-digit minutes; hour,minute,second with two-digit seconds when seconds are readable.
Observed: 12,20
